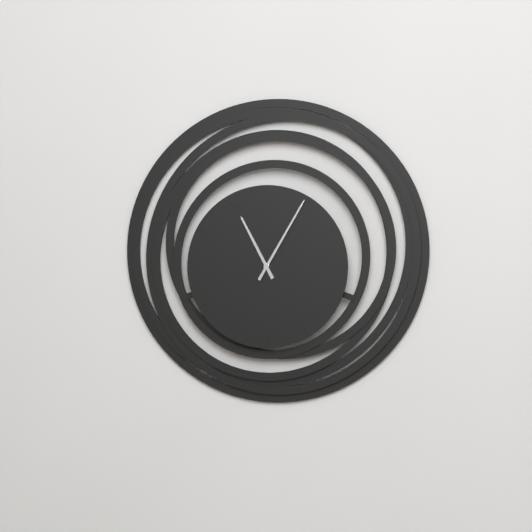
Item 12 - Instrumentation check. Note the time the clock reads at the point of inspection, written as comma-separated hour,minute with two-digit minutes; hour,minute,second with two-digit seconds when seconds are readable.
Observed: 11,05
